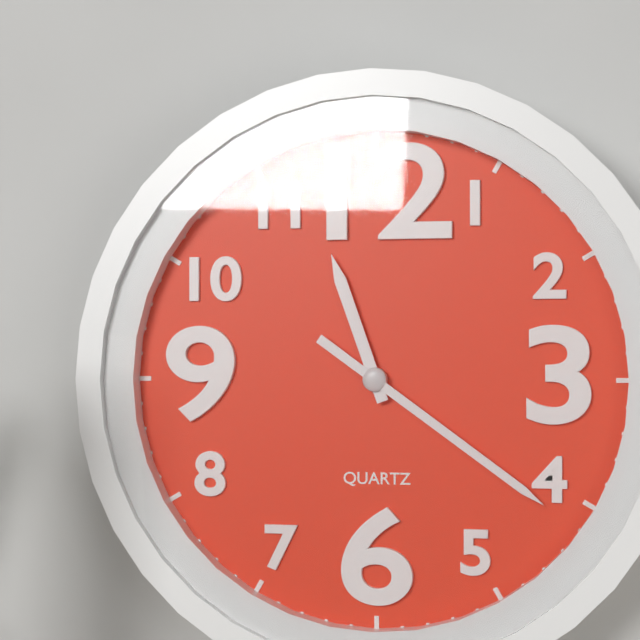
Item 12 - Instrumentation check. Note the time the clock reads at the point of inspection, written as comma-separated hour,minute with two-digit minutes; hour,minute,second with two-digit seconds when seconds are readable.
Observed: 11,21
